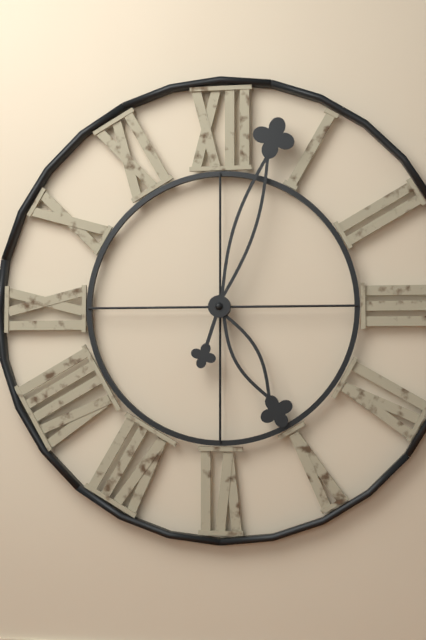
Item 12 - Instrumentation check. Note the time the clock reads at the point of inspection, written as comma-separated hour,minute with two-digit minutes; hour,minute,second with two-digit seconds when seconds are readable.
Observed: 5,03
